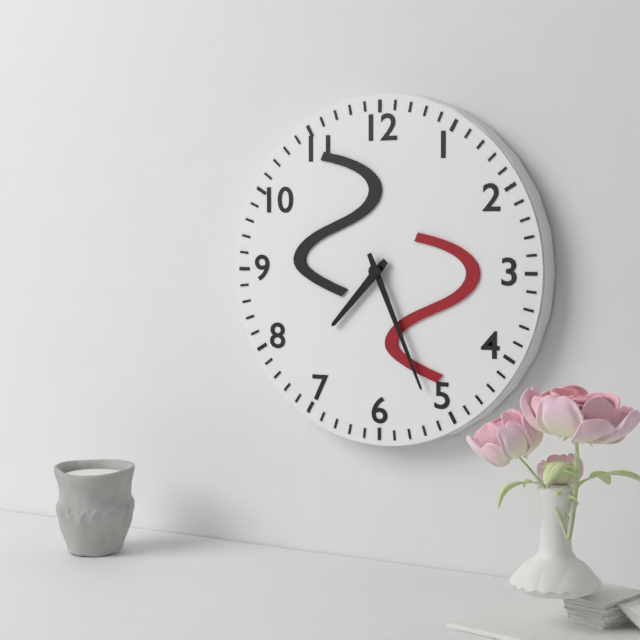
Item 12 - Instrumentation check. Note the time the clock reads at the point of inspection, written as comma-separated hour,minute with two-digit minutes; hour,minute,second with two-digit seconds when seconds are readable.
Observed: 7,26
